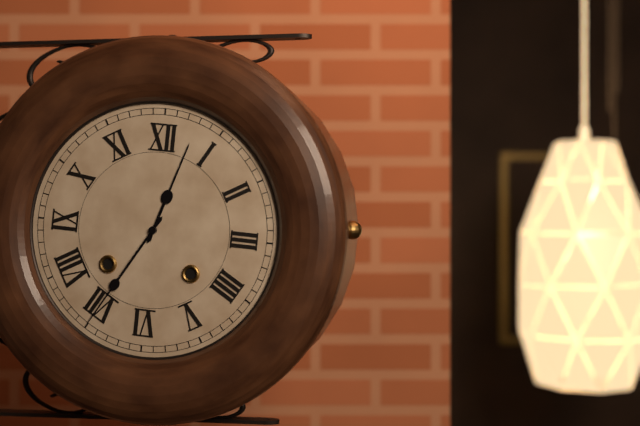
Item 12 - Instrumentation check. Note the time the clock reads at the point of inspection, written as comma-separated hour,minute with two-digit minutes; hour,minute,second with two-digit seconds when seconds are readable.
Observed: 12,35
